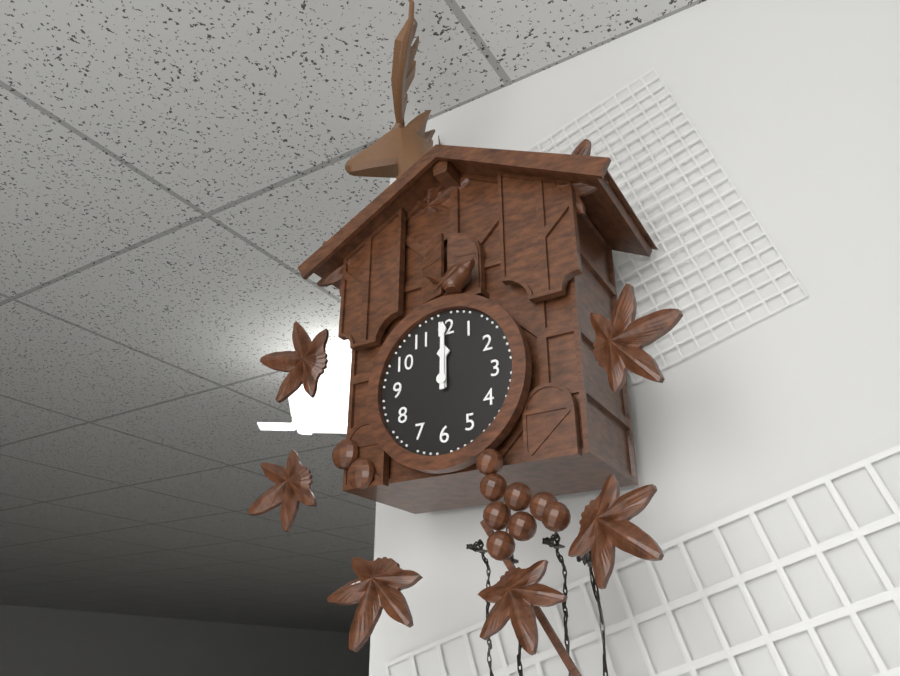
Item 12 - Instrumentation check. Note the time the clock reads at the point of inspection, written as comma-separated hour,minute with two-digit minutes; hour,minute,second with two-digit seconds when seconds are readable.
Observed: 12,00
